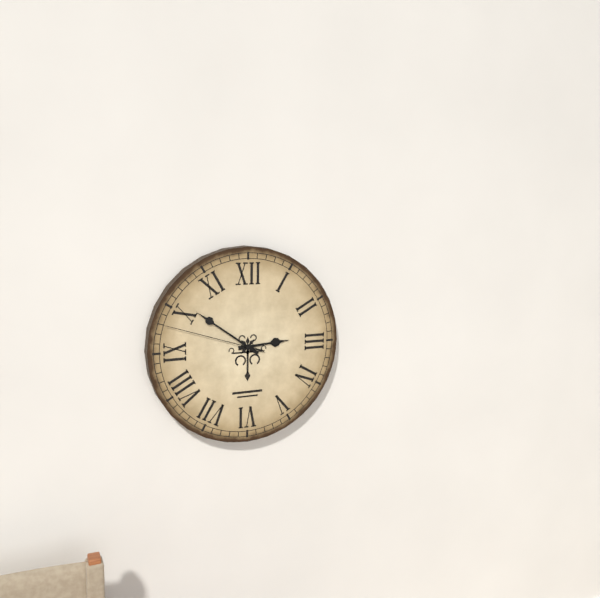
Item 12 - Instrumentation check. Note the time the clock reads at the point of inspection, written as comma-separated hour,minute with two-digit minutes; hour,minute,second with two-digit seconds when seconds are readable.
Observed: 2,51,48
